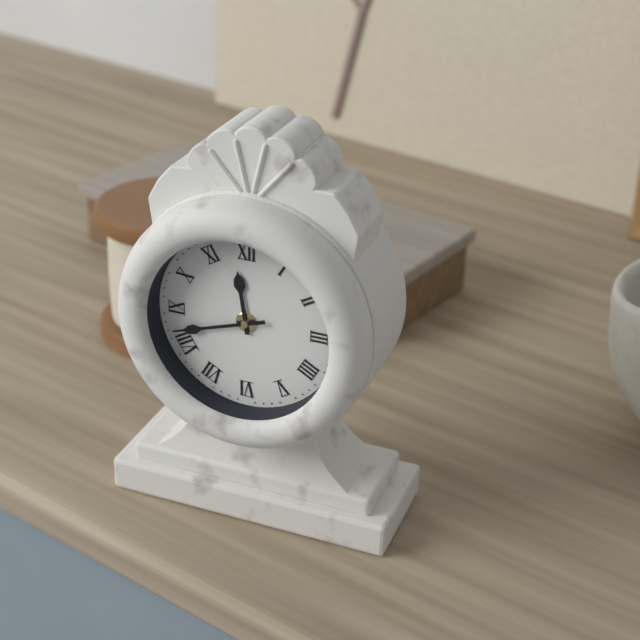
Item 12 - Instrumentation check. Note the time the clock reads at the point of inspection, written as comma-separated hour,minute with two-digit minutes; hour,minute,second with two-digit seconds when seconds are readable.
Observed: 11,42
